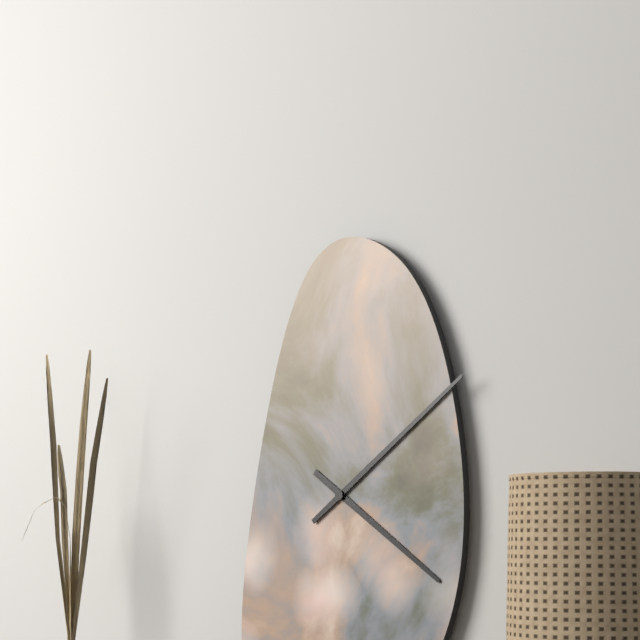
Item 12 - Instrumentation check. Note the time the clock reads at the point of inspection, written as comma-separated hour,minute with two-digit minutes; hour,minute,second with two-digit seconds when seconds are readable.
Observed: 4,09
